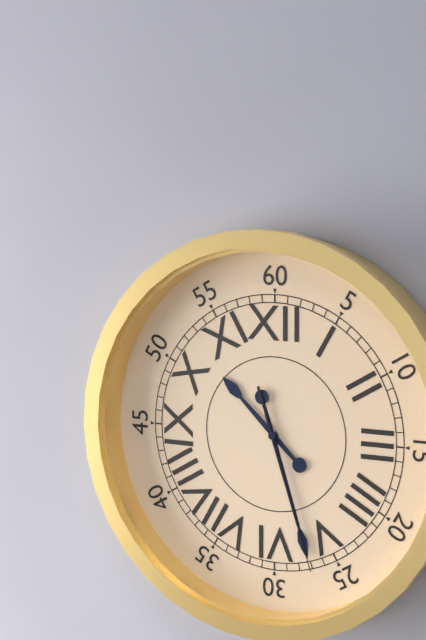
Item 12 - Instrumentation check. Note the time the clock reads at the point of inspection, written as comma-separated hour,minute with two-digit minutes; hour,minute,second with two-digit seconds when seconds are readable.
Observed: 10,27,27
